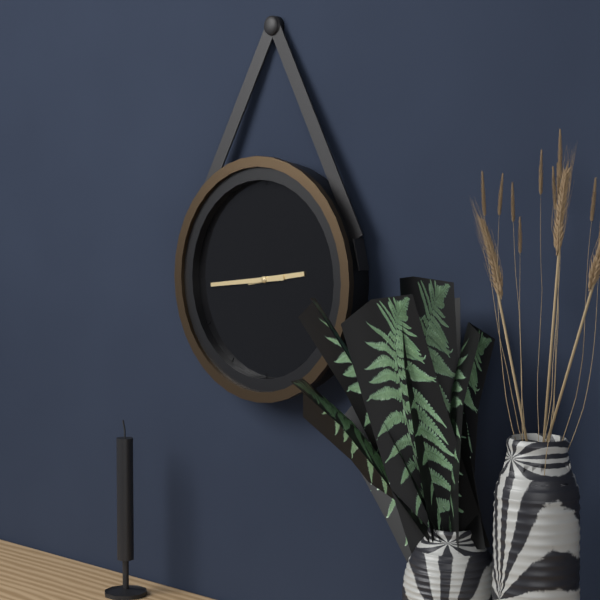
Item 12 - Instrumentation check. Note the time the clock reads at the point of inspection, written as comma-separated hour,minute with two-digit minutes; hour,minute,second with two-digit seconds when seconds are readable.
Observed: 2,44
